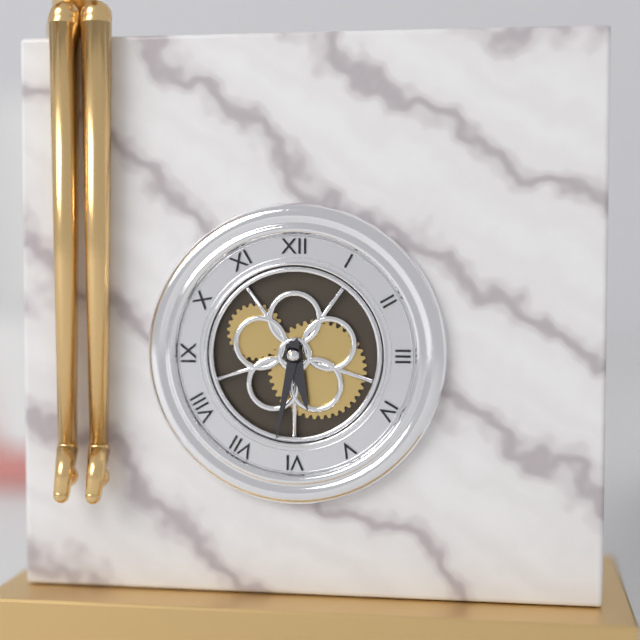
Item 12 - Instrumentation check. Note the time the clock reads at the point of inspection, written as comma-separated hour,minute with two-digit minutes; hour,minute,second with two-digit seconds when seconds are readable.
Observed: 5,32
